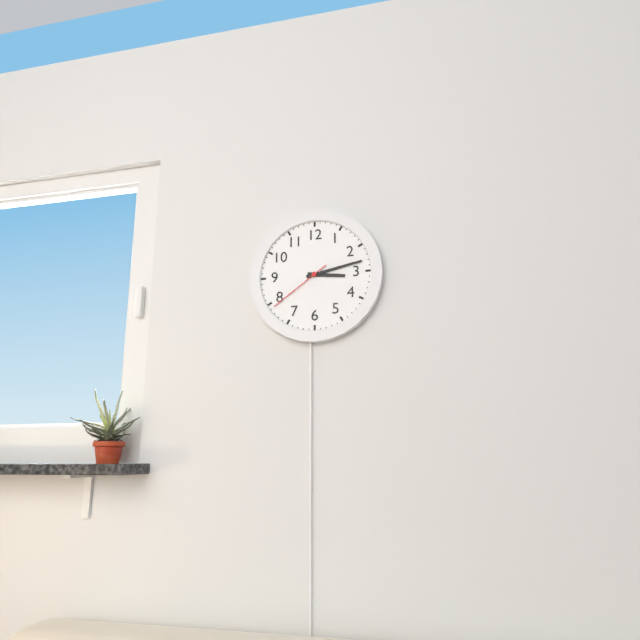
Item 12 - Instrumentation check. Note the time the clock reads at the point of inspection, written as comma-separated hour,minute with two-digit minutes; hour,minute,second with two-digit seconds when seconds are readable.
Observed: 3,13,39
